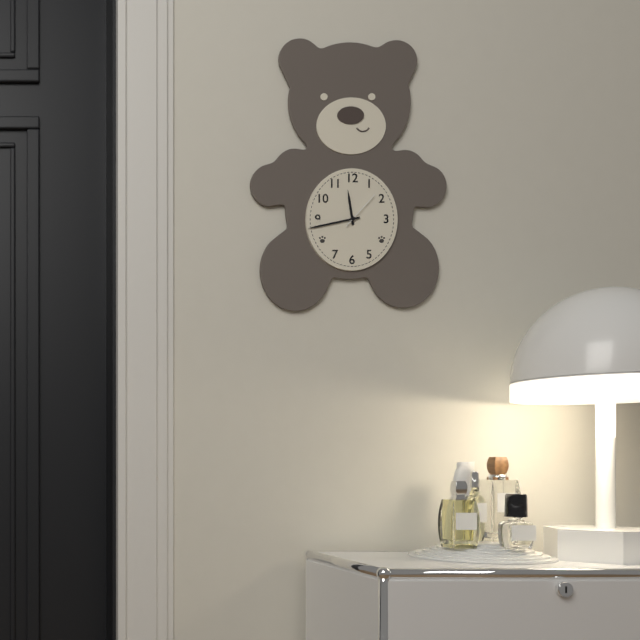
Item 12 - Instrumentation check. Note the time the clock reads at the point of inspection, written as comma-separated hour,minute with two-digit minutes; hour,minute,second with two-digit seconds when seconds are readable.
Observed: 11,43
